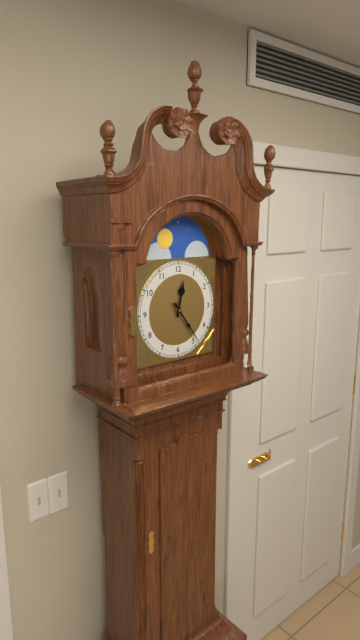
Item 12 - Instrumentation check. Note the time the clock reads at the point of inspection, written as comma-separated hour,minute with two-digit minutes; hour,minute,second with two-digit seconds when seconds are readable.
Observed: 12,24
